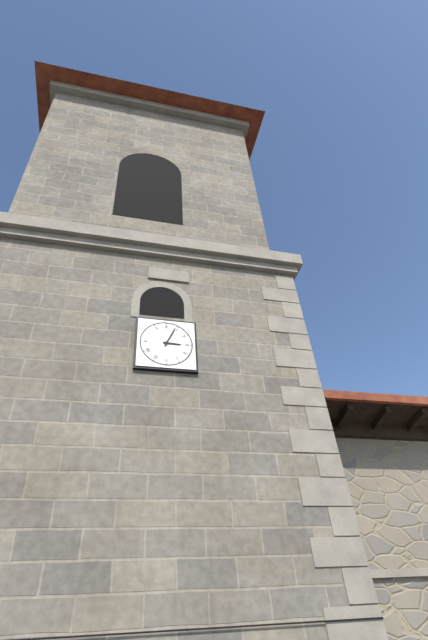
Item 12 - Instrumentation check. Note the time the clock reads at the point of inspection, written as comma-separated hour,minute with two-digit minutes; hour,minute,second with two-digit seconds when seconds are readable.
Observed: 3,04
